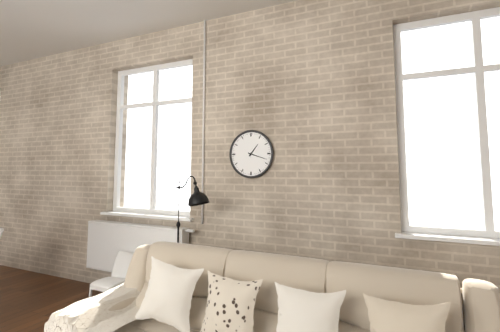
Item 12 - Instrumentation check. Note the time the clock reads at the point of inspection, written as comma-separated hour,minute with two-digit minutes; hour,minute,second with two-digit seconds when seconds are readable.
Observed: 1,18
